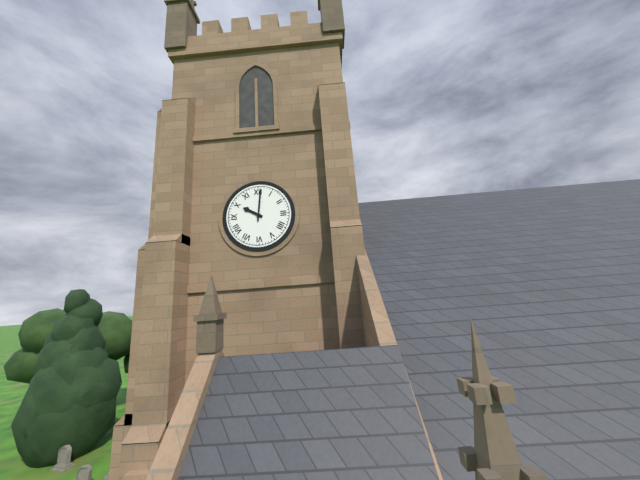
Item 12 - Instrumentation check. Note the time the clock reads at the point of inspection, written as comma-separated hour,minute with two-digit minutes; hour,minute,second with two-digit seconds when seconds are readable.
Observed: 10,01
